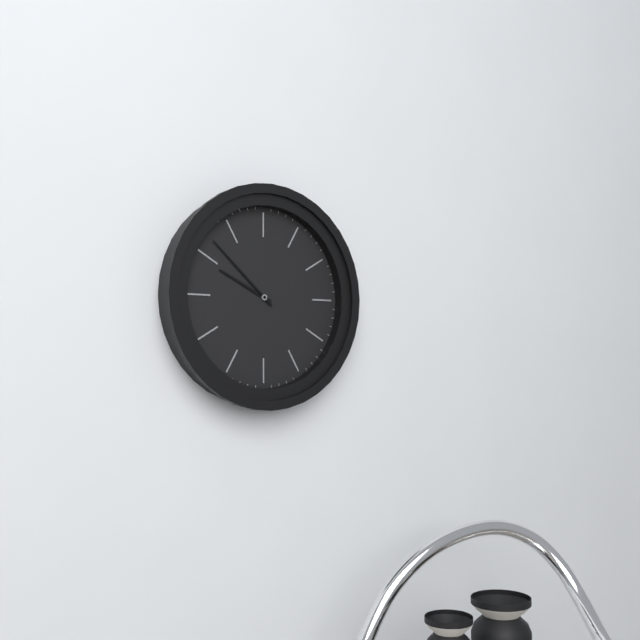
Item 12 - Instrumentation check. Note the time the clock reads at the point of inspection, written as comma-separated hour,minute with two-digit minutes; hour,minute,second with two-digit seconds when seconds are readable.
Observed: 9,52
